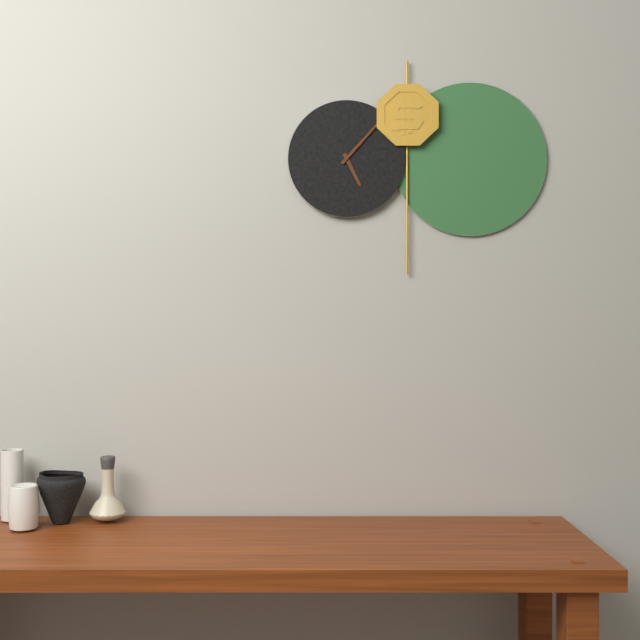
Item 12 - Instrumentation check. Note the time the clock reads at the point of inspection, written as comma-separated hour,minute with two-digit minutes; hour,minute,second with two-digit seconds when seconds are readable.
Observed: 5,07
